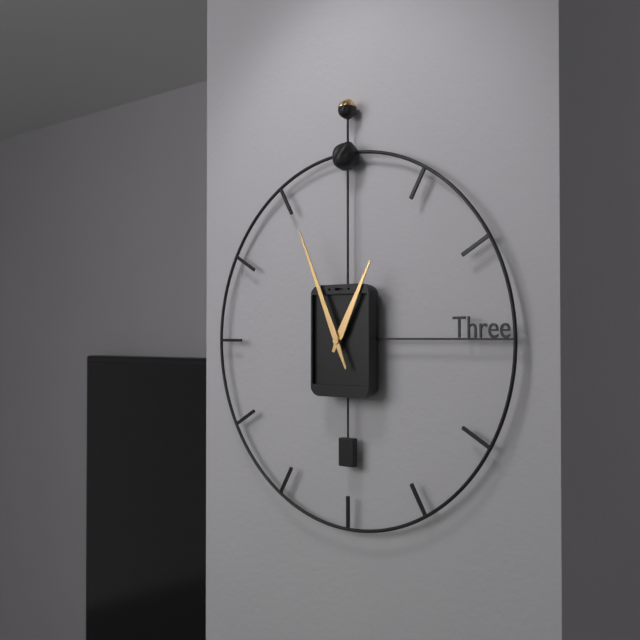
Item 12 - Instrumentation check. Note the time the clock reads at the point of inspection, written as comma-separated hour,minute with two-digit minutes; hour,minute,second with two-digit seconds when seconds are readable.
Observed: 12,56
